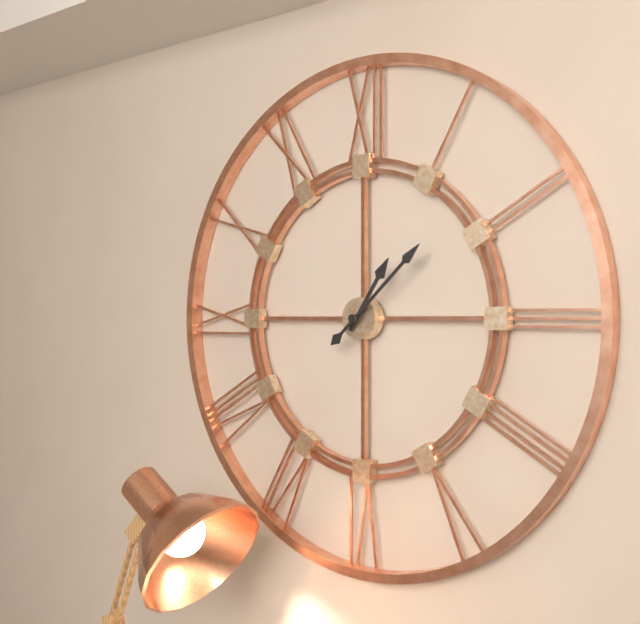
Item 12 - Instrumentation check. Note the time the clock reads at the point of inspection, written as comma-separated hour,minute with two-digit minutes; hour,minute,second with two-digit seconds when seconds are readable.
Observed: 1,08
